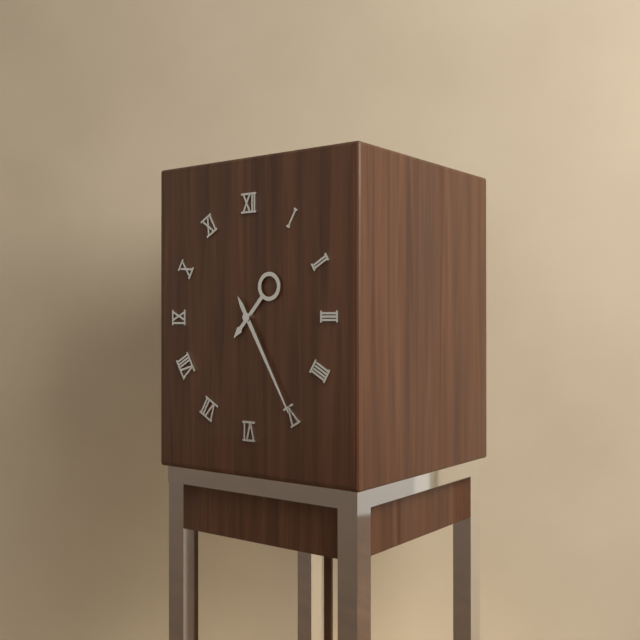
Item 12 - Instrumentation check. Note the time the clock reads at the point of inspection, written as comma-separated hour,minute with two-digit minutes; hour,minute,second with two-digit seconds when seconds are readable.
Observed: 1,25
